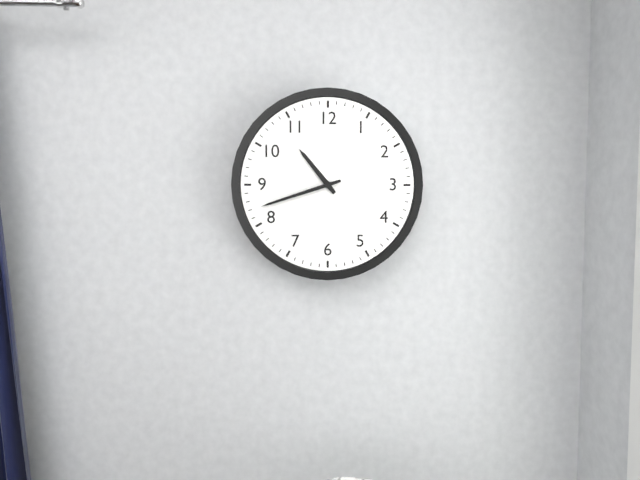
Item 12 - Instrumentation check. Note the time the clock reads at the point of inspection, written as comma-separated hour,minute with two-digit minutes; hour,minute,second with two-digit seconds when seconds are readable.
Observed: 10,42
